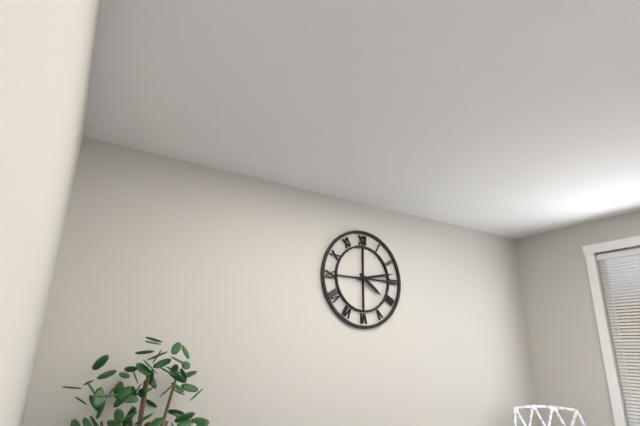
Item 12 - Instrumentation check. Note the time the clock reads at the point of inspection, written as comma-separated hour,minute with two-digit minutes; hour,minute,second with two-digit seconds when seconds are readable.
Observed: 4,13
